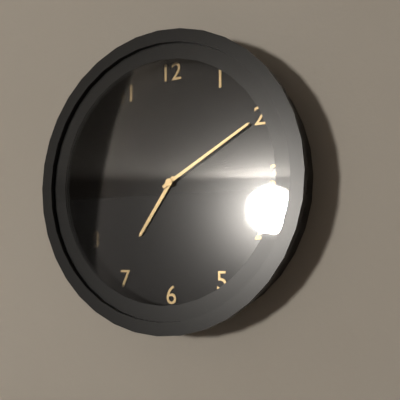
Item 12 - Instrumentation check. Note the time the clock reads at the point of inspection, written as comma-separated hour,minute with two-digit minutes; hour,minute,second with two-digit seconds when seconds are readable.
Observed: 7,10
